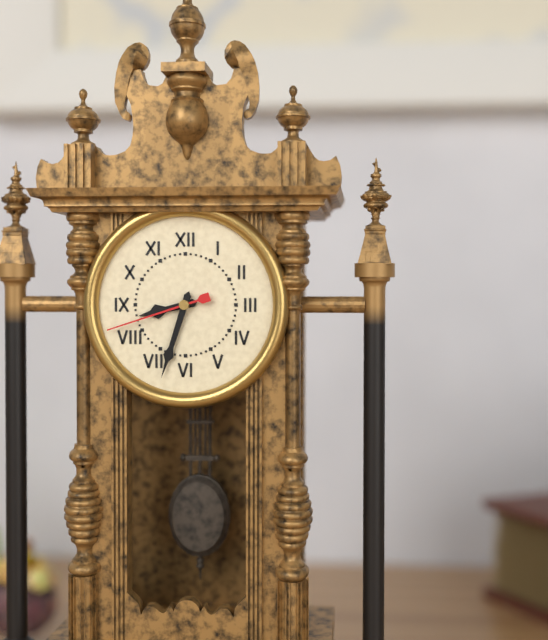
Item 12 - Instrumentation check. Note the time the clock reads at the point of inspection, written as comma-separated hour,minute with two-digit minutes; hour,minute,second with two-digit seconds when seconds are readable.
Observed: 8,33,42
